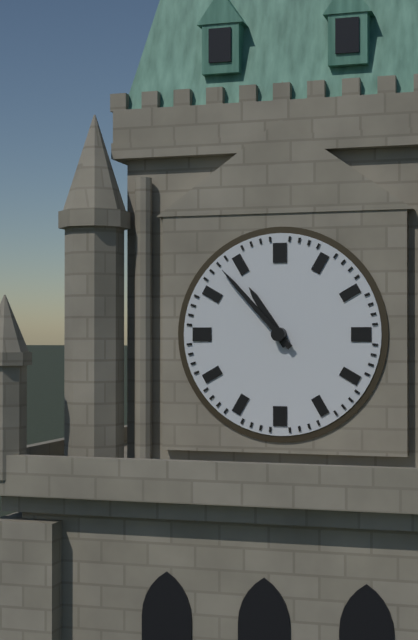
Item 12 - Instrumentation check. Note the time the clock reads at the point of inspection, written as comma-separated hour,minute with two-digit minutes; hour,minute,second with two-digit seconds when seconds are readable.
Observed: 10,53
